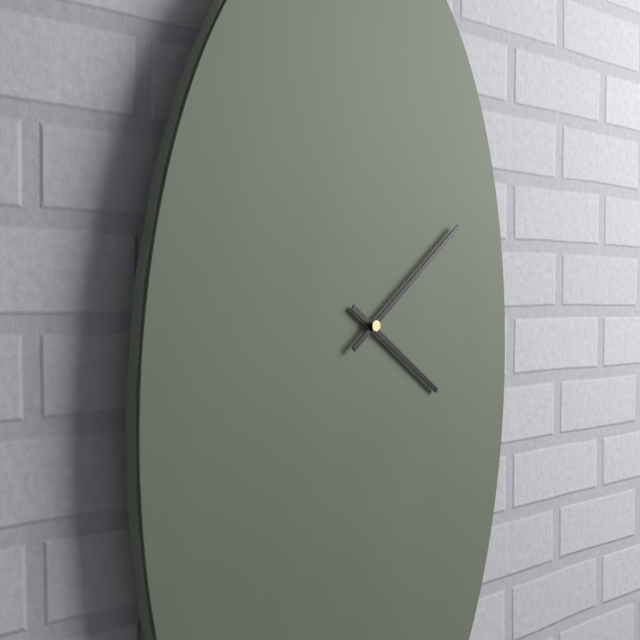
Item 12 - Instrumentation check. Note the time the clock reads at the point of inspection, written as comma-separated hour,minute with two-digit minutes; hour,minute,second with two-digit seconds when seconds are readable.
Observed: 4,08
